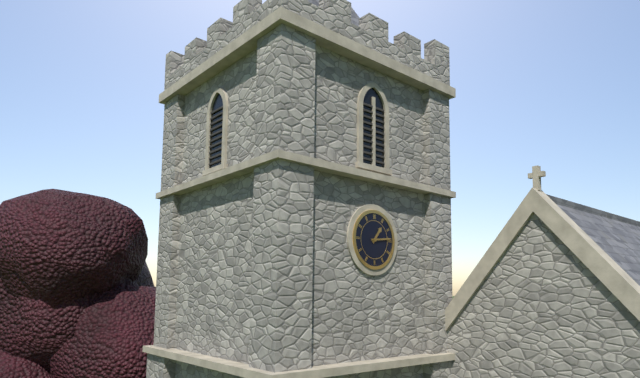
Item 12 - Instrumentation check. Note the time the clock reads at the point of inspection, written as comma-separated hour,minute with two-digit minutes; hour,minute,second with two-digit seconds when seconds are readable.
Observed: 1,14
